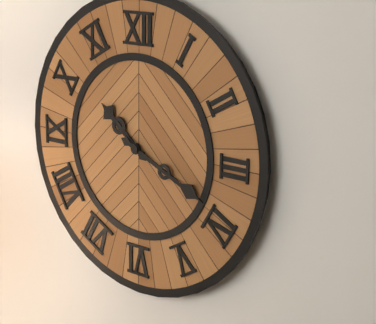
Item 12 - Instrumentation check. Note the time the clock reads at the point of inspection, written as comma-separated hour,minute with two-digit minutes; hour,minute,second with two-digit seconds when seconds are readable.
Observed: 10,19
